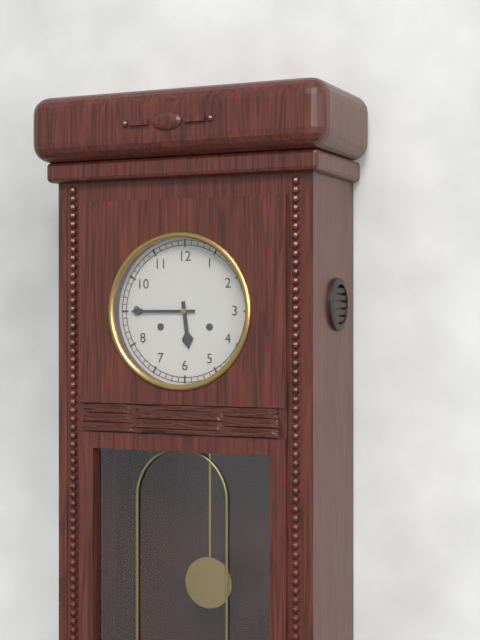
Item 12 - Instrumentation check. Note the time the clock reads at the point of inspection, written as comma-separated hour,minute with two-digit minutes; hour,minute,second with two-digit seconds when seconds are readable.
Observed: 5,45
